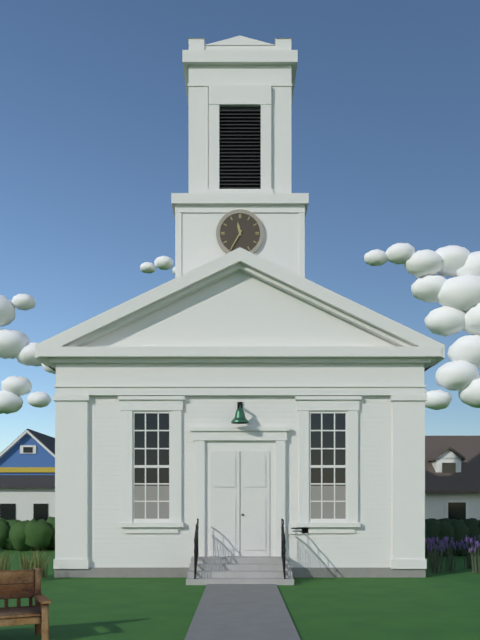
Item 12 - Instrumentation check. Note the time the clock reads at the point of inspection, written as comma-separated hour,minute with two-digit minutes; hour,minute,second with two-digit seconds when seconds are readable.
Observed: 11,35
